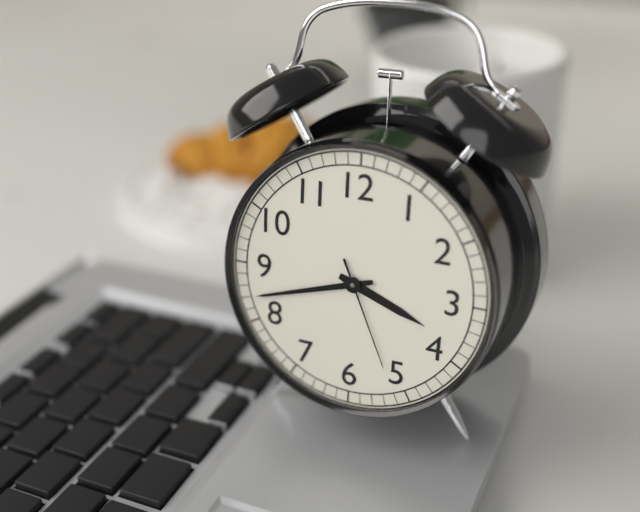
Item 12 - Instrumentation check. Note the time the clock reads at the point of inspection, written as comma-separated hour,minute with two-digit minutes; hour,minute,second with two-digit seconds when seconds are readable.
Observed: 3,42,26
